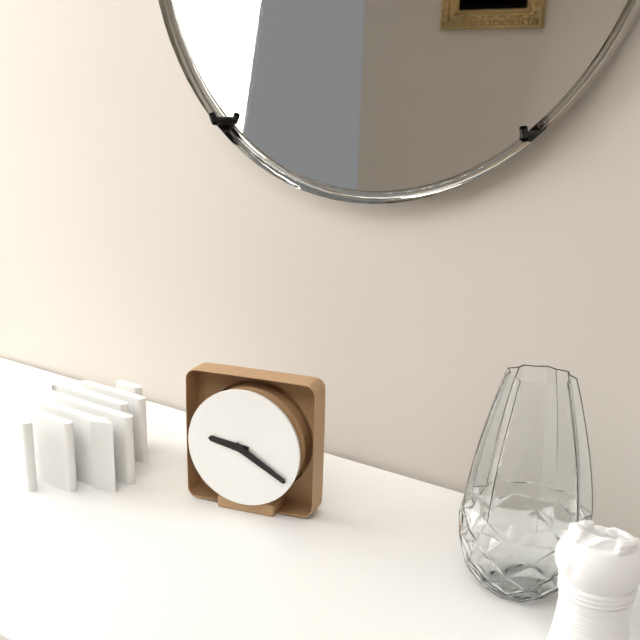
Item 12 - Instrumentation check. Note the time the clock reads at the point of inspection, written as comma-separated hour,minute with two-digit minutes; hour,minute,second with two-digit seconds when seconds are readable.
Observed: 9,20
